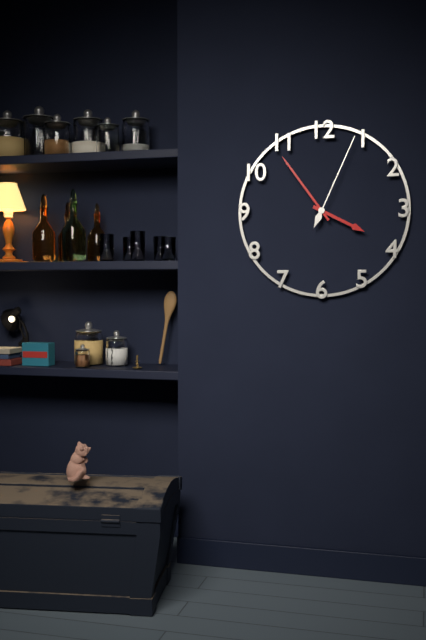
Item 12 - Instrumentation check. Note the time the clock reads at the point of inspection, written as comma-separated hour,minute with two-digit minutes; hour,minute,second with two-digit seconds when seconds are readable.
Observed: 3,54,04
